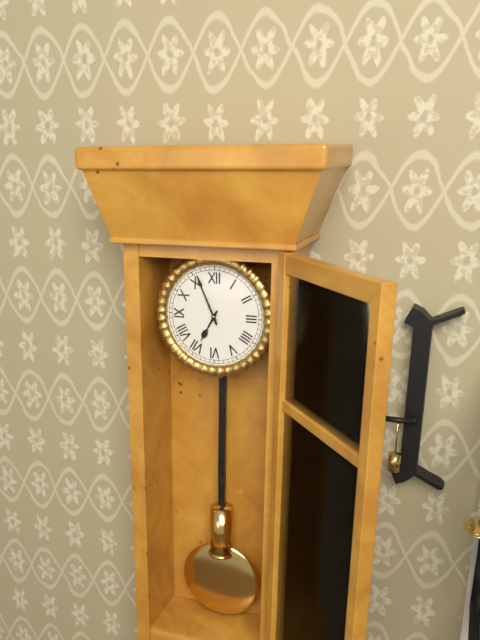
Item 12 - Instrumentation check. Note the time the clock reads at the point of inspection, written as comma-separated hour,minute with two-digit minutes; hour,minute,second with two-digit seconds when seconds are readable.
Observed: 6,56
